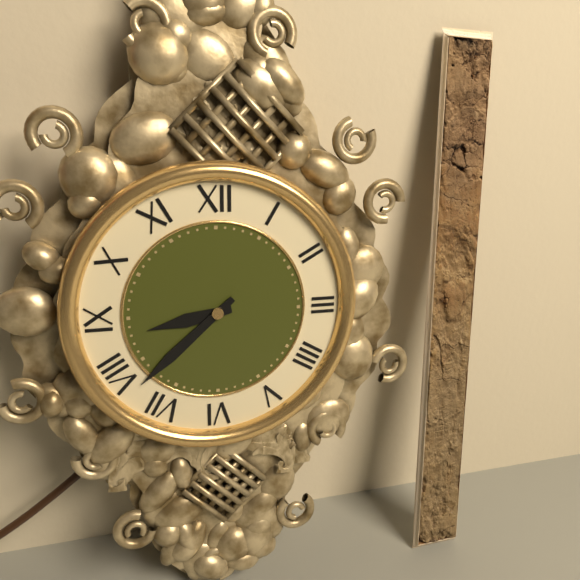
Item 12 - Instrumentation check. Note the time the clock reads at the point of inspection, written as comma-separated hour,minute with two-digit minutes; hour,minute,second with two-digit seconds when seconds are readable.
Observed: 8,38
